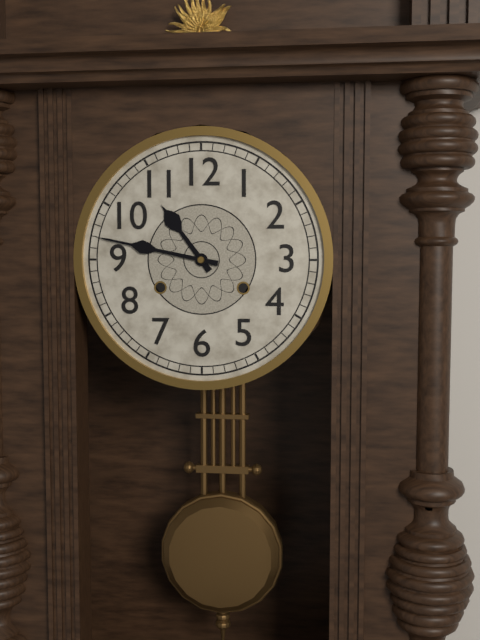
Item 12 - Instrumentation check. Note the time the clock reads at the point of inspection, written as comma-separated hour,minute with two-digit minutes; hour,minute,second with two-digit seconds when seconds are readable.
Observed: 10,47
